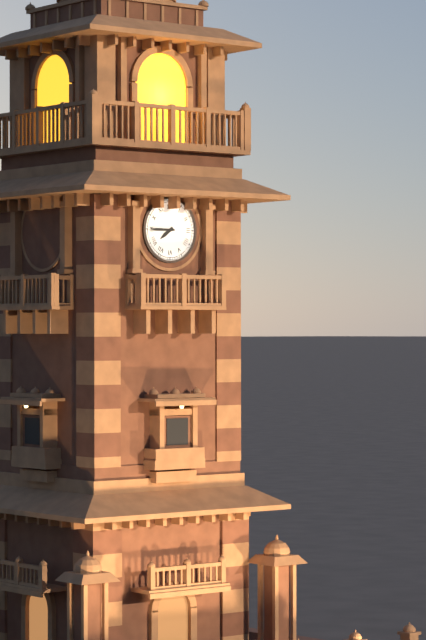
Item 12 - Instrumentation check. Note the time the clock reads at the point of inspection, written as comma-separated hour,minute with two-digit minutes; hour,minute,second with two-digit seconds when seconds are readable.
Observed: 7,45
